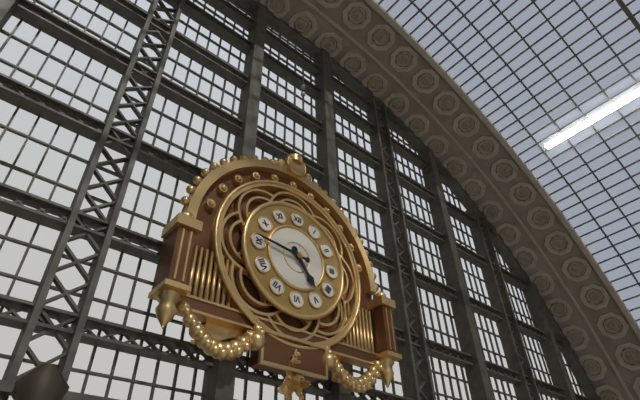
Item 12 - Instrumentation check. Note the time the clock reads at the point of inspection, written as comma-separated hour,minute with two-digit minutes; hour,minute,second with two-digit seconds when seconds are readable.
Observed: 4,46
